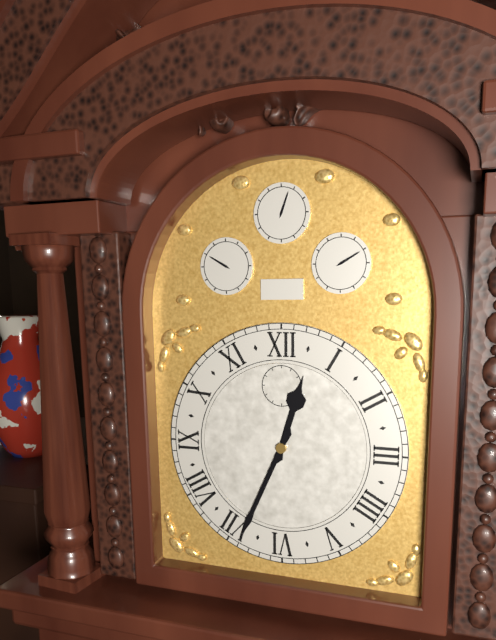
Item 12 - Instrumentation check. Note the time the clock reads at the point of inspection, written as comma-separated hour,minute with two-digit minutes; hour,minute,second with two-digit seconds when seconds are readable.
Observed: 12,34
